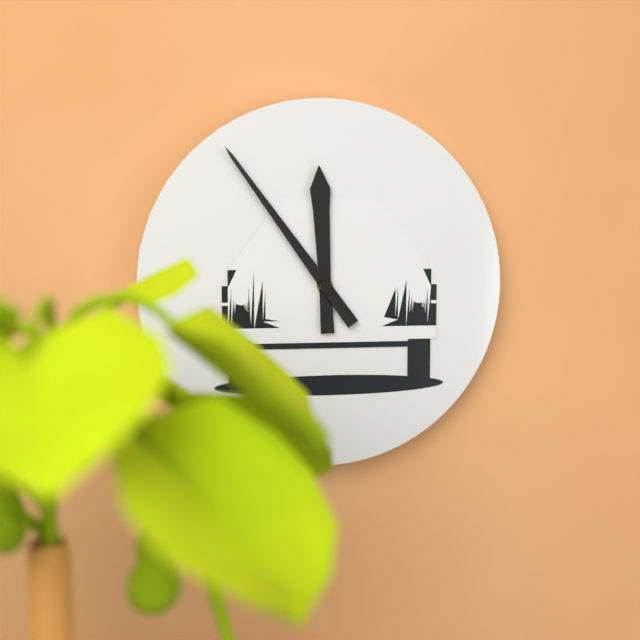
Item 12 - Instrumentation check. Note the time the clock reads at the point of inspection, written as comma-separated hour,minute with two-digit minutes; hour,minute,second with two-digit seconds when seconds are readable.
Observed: 11,54
